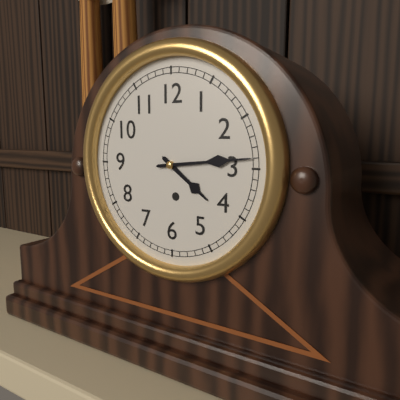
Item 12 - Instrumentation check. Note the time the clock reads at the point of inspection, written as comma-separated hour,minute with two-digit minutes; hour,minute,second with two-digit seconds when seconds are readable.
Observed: 4,14
